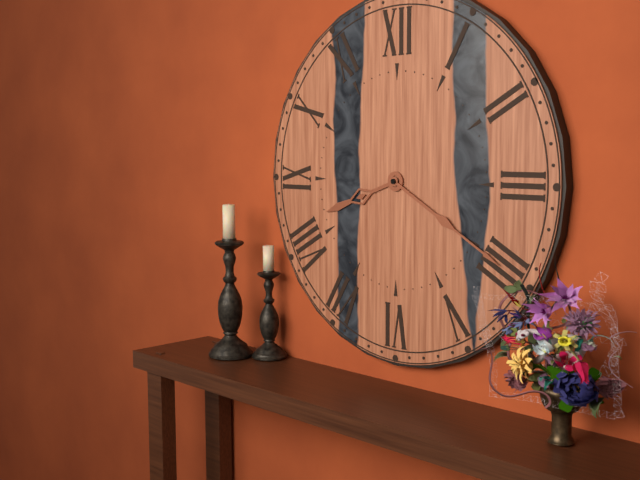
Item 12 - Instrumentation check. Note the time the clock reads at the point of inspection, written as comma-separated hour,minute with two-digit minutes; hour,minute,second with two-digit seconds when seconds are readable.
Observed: 8,20
